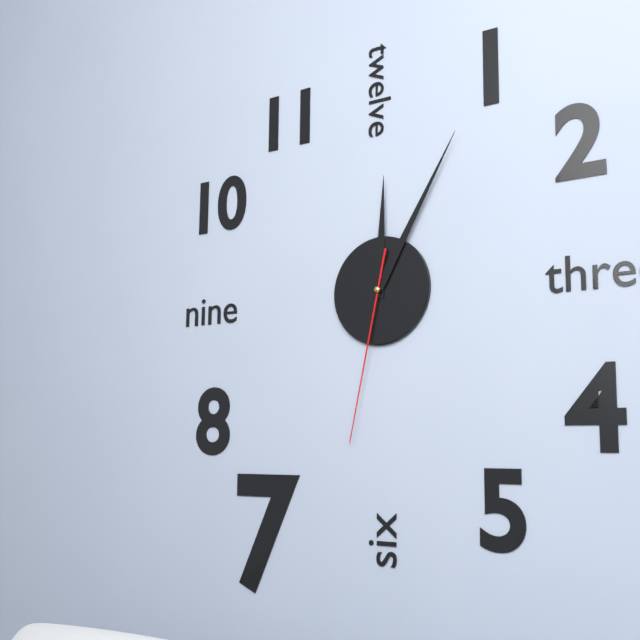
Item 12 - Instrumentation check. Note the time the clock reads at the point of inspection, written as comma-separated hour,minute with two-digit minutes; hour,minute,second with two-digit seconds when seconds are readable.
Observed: 12,05,32
